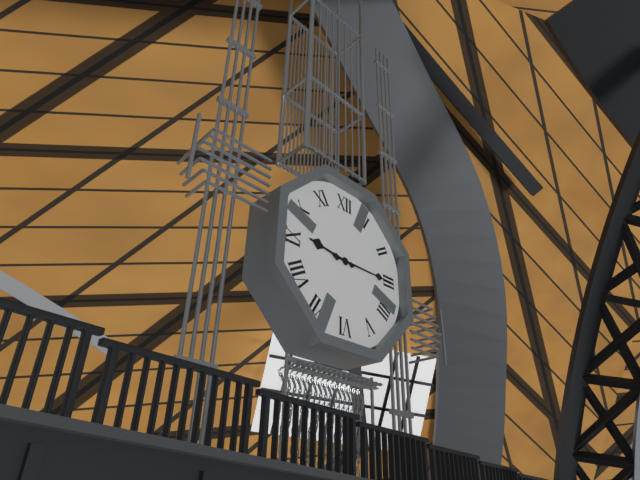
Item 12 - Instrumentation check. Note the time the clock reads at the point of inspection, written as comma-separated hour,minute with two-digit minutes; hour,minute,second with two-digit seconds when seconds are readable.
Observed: 9,15
